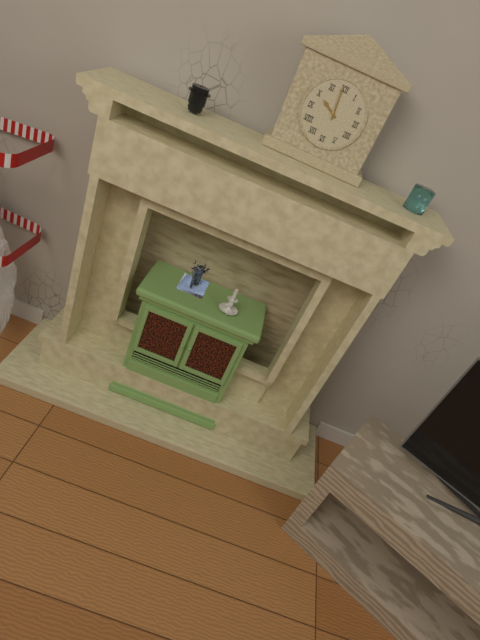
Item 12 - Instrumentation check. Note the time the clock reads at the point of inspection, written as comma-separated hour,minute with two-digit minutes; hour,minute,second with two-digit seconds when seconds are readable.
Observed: 9,59
